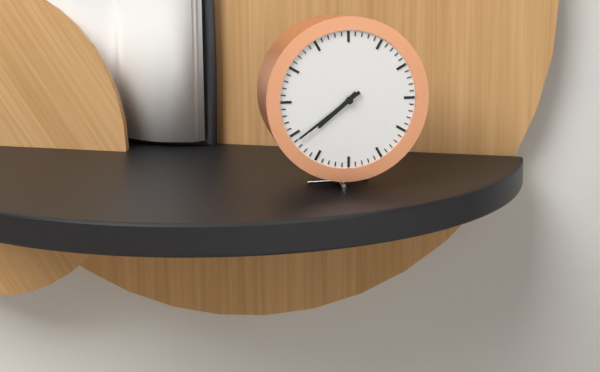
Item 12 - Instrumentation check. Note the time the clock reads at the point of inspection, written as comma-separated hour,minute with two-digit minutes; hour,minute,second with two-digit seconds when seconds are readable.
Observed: 7,39
